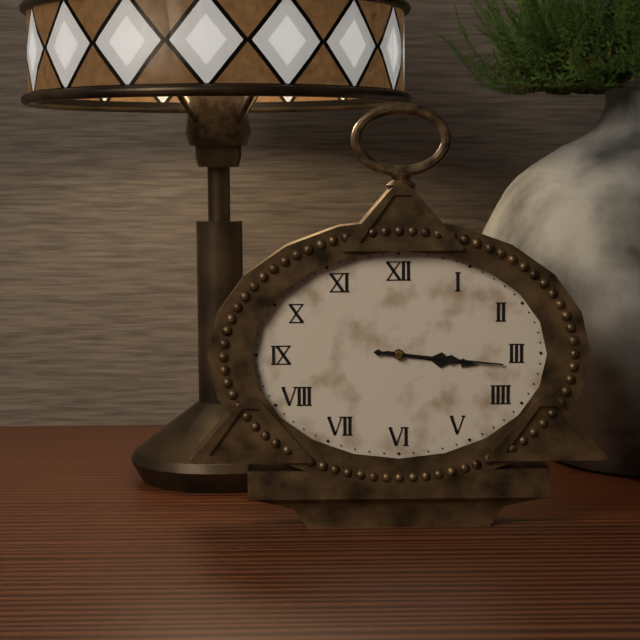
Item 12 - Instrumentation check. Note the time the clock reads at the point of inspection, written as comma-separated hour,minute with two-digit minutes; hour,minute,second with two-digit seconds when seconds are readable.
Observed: 3,16
